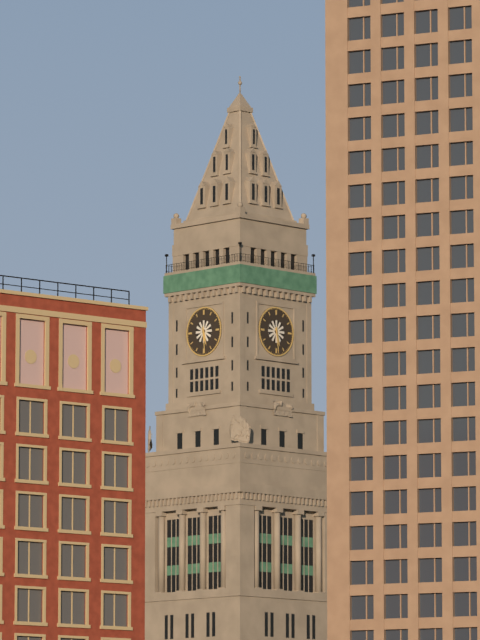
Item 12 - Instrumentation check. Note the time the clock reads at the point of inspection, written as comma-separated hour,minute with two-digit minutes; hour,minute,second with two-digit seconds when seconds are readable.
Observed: 5,29
